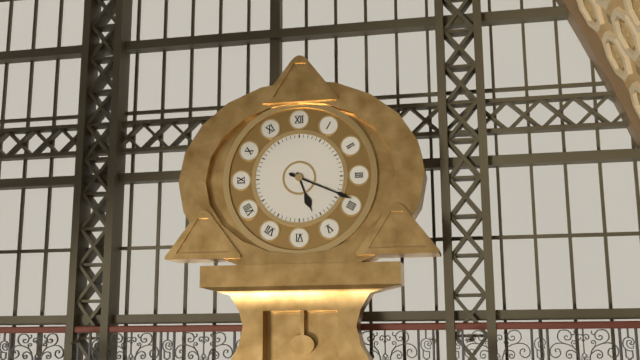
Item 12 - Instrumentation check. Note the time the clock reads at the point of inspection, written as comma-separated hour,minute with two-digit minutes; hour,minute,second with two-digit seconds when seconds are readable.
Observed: 5,19
